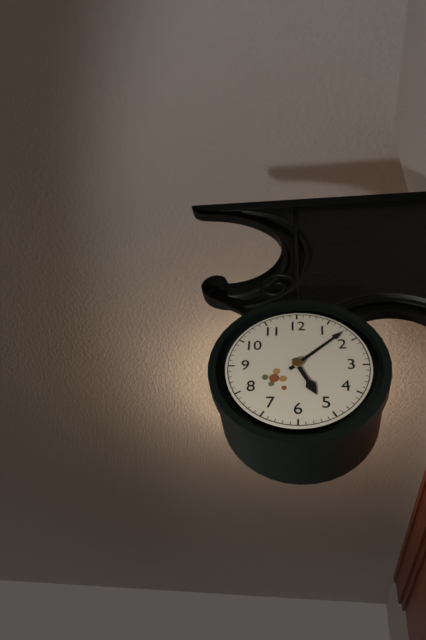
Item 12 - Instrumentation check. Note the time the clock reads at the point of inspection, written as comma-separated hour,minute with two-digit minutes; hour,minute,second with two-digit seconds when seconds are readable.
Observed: 5,08
